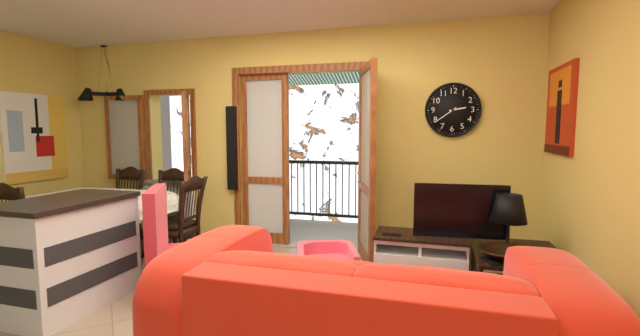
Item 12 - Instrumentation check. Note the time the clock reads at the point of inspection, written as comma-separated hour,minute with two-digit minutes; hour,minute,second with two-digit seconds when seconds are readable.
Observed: 2,39
